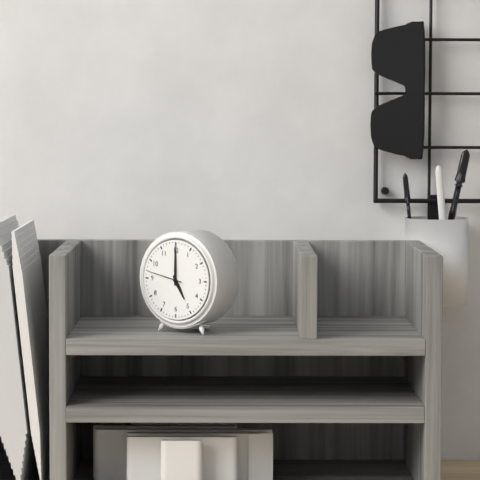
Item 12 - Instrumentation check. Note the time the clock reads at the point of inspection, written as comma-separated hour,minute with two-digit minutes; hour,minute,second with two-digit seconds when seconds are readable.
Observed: 5,00
